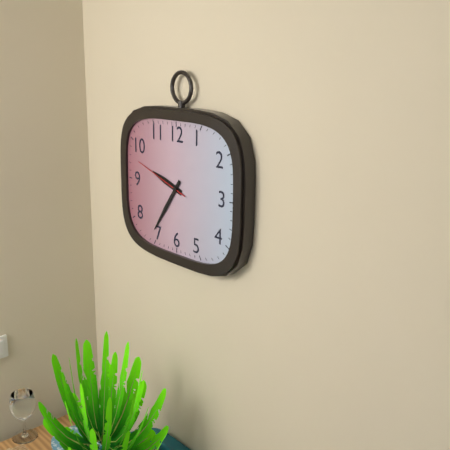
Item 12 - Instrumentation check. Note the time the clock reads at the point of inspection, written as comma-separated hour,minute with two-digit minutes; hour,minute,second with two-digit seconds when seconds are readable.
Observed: 9,36,48
